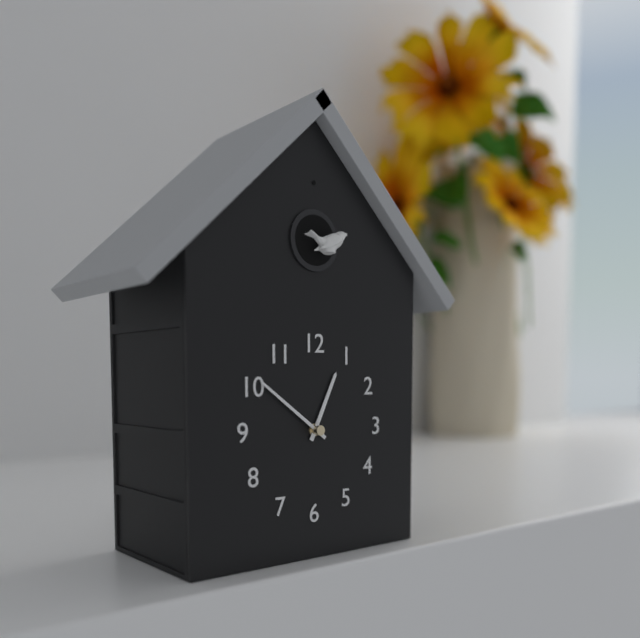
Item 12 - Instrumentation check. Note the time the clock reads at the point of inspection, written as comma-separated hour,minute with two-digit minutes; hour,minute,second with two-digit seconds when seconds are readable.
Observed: 12,51
